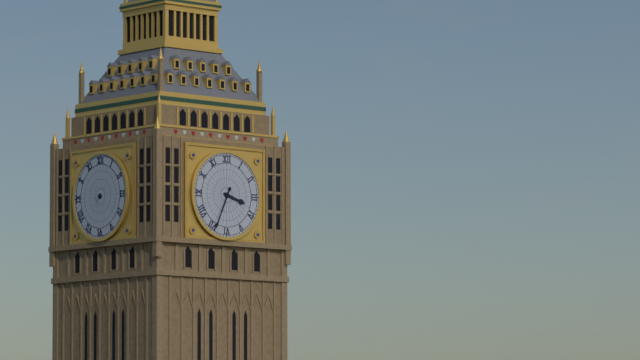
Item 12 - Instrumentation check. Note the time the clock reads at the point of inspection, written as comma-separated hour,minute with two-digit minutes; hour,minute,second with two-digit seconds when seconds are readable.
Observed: 3,34
